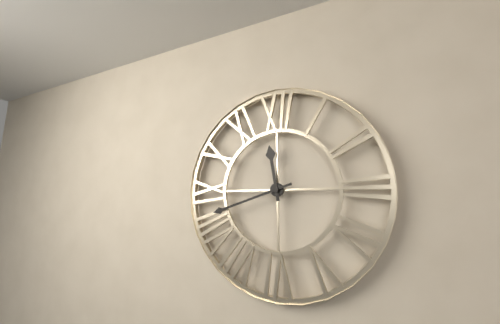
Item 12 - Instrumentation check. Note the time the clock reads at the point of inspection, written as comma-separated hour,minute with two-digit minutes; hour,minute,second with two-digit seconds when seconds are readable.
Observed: 11,42
